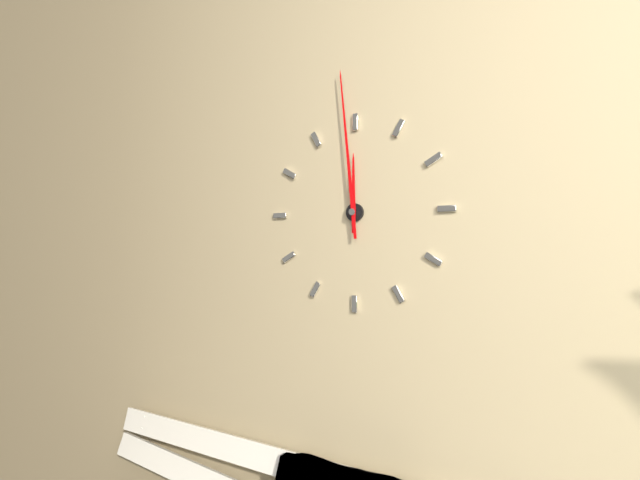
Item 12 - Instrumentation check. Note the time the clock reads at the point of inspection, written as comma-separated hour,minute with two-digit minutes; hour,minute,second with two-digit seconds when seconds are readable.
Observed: 11,59
